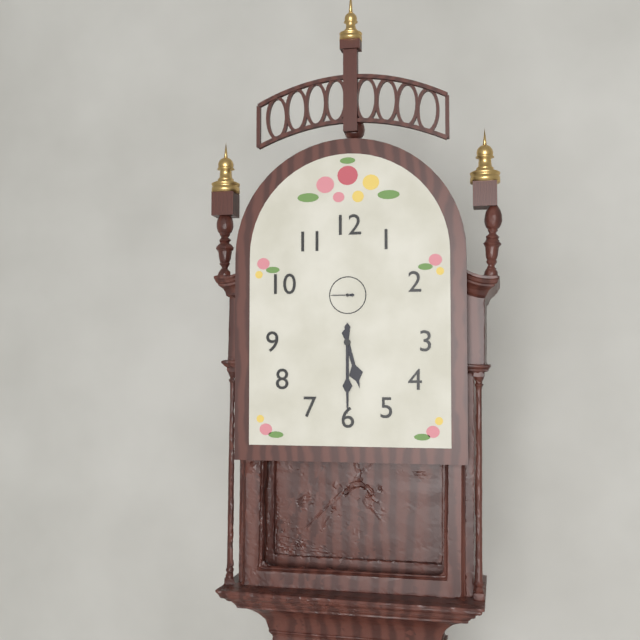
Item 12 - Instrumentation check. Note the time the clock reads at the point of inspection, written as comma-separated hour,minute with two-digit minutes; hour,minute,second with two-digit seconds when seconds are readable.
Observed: 5,30
